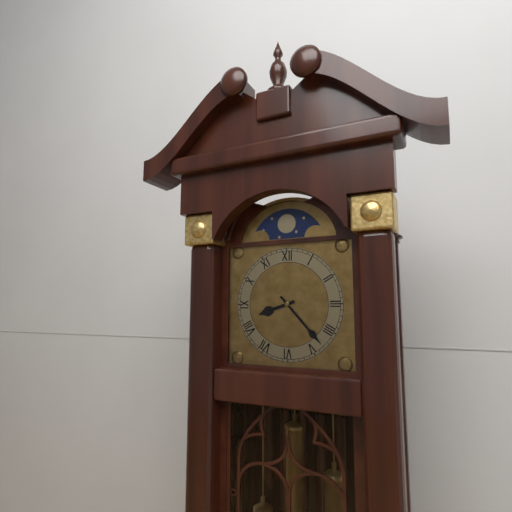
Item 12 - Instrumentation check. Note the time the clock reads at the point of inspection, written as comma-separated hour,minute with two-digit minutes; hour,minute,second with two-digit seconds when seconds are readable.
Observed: 8,23
